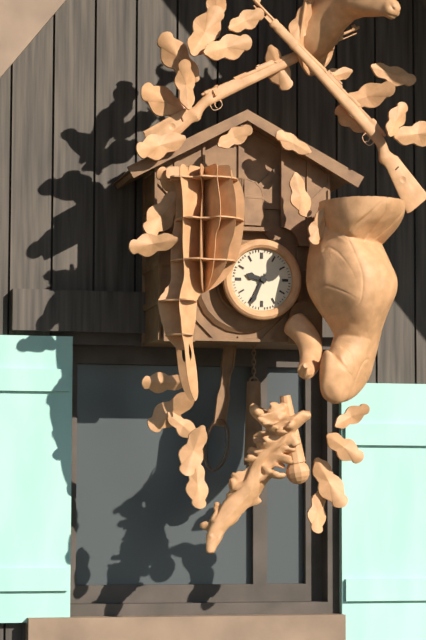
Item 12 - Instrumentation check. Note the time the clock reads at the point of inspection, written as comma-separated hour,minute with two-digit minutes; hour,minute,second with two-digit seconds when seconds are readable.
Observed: 9,34
